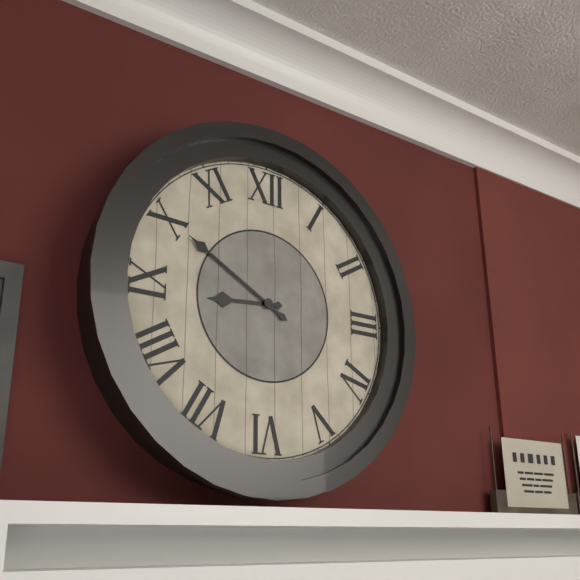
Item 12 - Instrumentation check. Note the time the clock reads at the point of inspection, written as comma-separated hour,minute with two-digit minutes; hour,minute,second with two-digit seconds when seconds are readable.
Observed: 8,50
